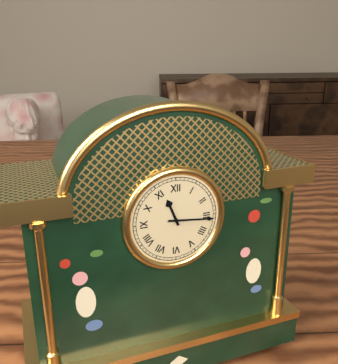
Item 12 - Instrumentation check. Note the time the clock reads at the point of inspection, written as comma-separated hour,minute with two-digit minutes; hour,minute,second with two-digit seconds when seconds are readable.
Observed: 11,16
